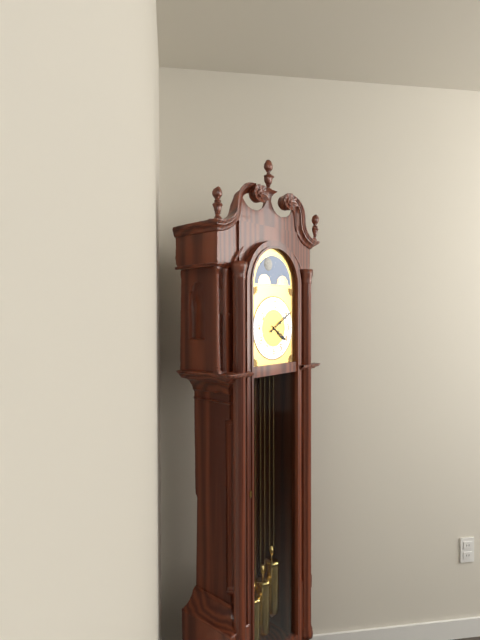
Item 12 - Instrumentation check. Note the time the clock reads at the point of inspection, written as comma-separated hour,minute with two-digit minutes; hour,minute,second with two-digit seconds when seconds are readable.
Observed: 4,10
